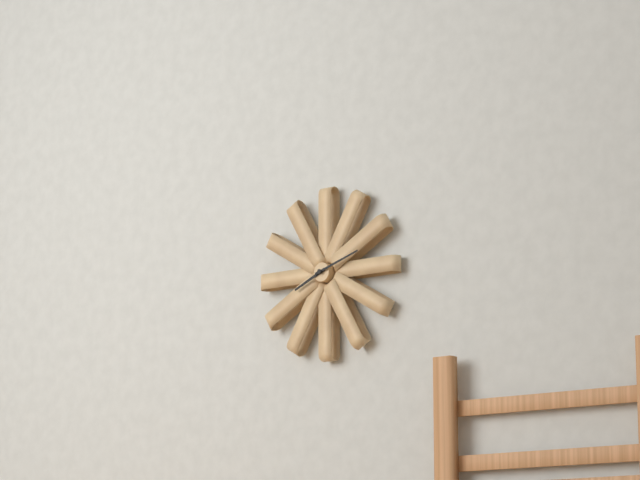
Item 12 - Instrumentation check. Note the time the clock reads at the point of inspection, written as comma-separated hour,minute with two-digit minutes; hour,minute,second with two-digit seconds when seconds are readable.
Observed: 8,12
